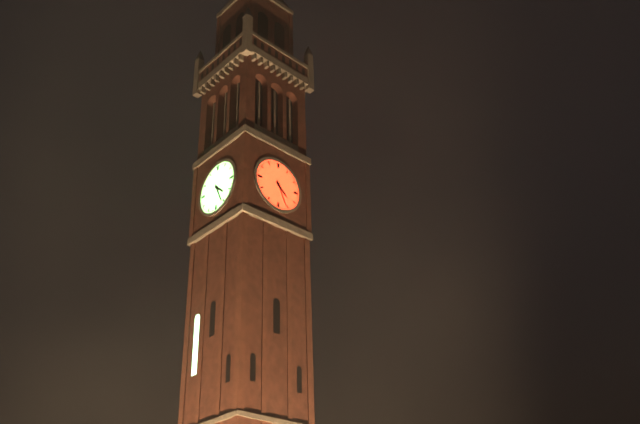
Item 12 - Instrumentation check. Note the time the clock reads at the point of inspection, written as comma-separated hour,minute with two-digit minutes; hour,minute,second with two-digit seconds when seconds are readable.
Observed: 4,26
